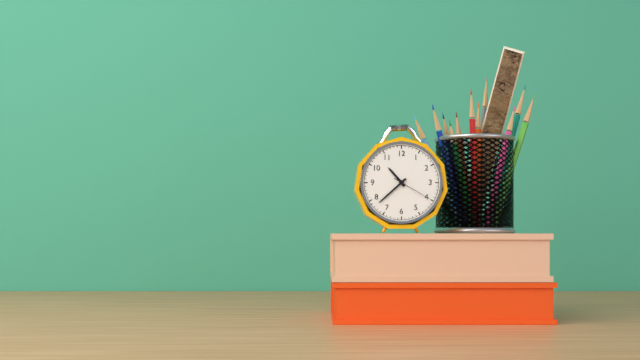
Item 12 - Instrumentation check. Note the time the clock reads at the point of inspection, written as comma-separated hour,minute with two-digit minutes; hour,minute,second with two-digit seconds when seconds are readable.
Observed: 10,38
